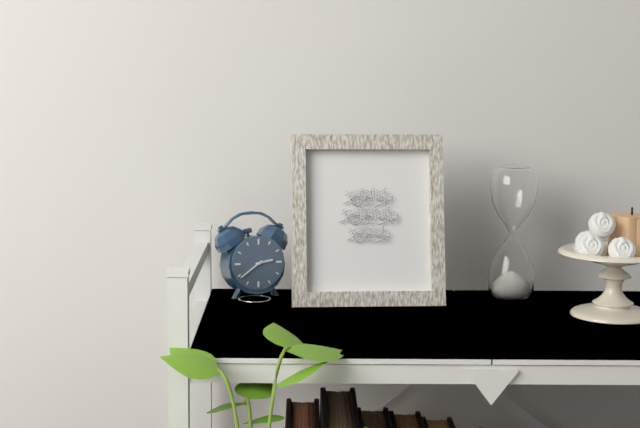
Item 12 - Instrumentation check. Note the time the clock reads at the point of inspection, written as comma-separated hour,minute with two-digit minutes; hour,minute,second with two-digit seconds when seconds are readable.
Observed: 2,39
